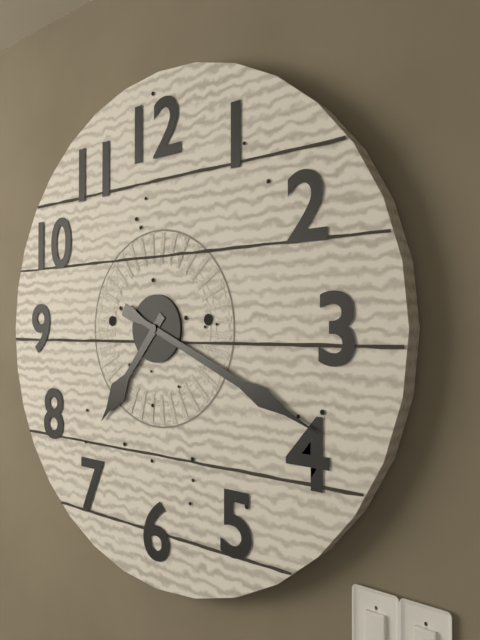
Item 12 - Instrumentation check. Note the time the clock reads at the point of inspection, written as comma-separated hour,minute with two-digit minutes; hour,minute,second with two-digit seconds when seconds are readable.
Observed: 7,19
